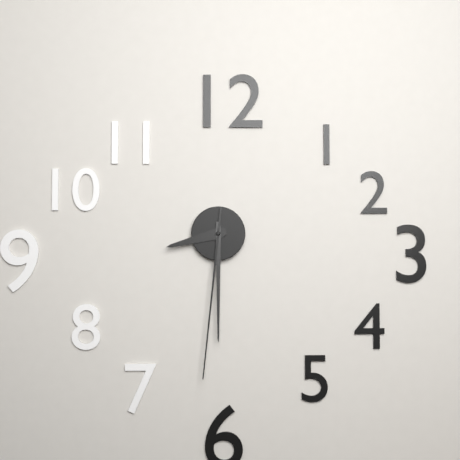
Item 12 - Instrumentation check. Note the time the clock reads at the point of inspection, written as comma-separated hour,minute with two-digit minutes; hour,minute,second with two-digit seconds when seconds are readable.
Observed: 8,30,31
